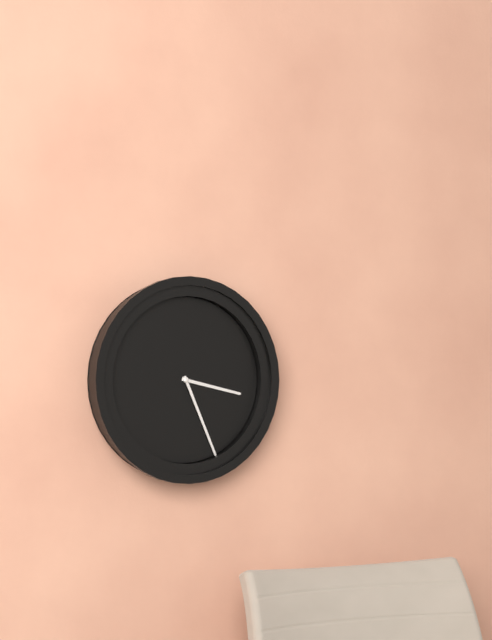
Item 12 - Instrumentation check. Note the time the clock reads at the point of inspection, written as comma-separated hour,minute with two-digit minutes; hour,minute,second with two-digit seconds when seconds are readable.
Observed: 3,26
